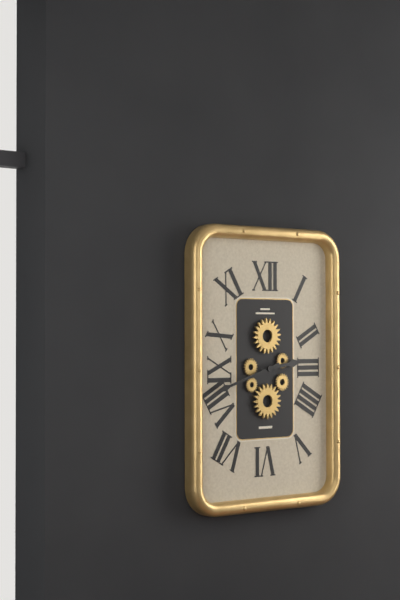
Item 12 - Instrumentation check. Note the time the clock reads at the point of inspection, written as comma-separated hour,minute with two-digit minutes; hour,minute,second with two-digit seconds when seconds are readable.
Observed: 2,42
